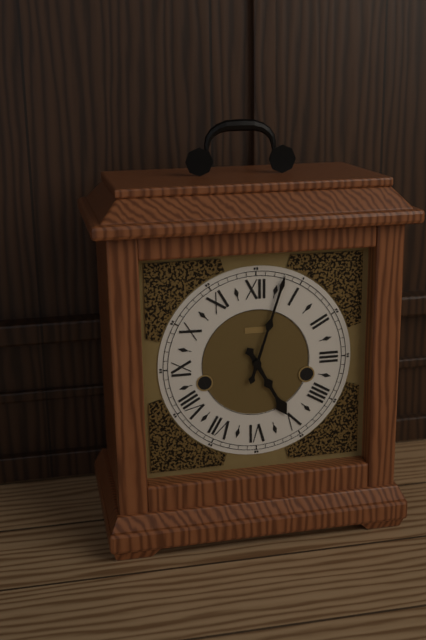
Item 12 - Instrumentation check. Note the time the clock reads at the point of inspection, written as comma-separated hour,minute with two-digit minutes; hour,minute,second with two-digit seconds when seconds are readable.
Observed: 5,03
